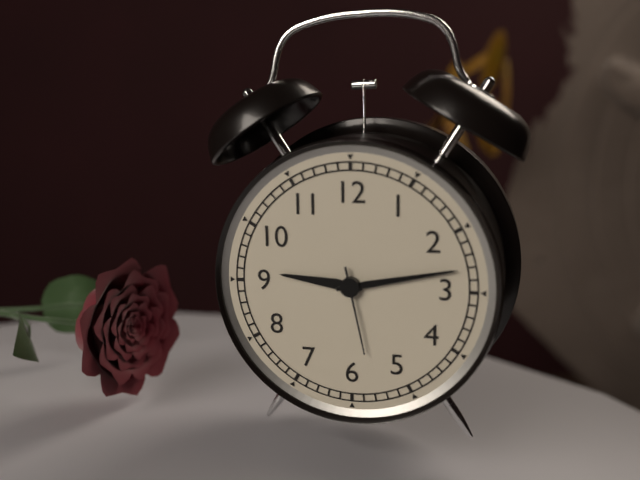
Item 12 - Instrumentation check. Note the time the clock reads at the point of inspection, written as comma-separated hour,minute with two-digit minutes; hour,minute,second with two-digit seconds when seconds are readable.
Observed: 9,13,28
